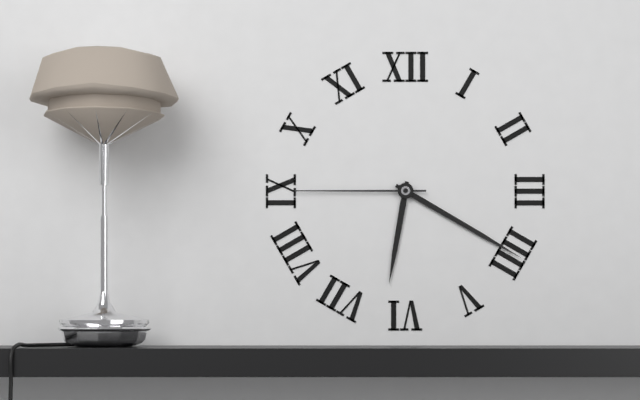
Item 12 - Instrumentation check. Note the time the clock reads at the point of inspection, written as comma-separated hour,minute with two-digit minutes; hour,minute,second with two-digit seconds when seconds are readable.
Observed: 6,20,45
